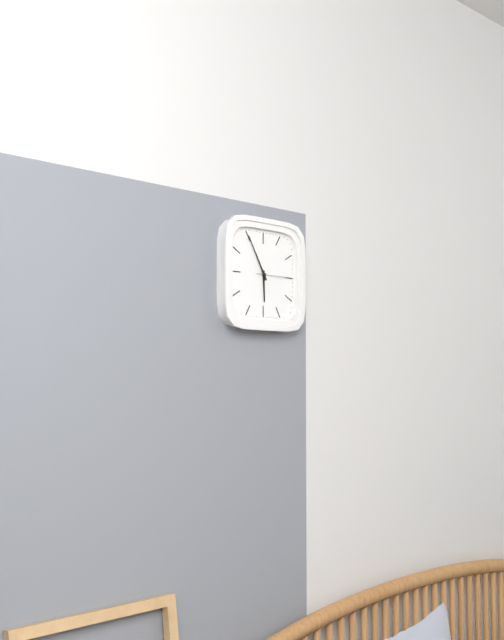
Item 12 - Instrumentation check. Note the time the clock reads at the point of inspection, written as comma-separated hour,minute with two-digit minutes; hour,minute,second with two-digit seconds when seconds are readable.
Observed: 5,55
